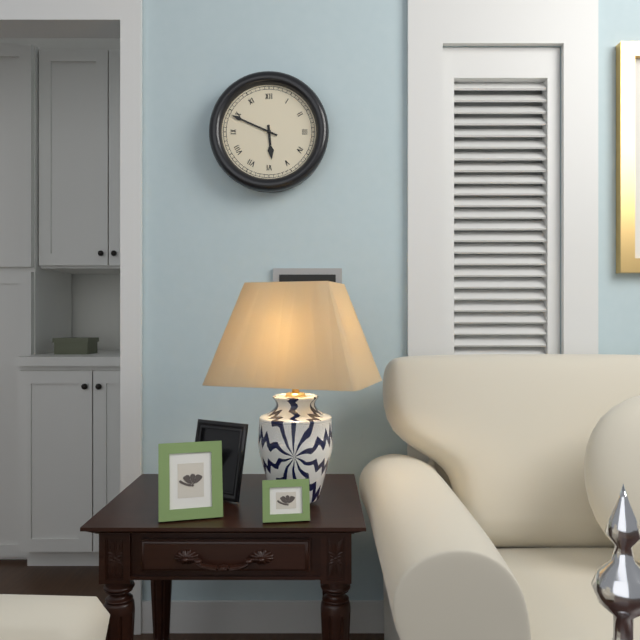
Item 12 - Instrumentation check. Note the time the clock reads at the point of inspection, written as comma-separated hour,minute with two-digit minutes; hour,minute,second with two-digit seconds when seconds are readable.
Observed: 5,49
